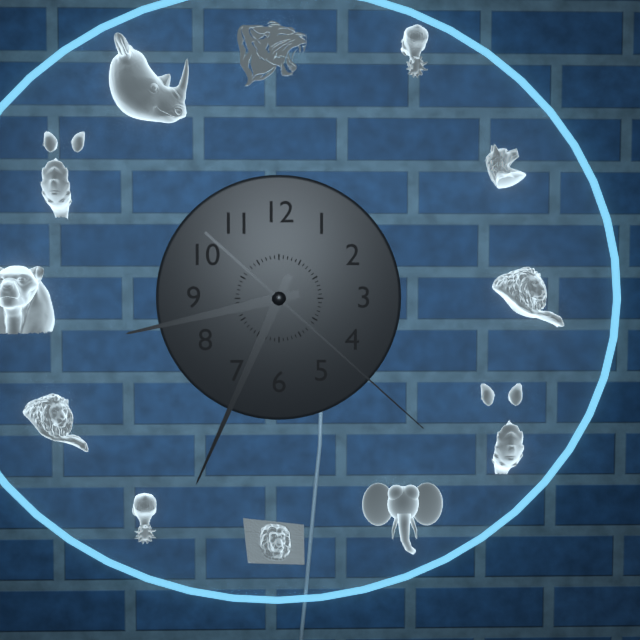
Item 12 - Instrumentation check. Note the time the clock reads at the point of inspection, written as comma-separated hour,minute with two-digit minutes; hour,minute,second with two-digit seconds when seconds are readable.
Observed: 8,34,22
